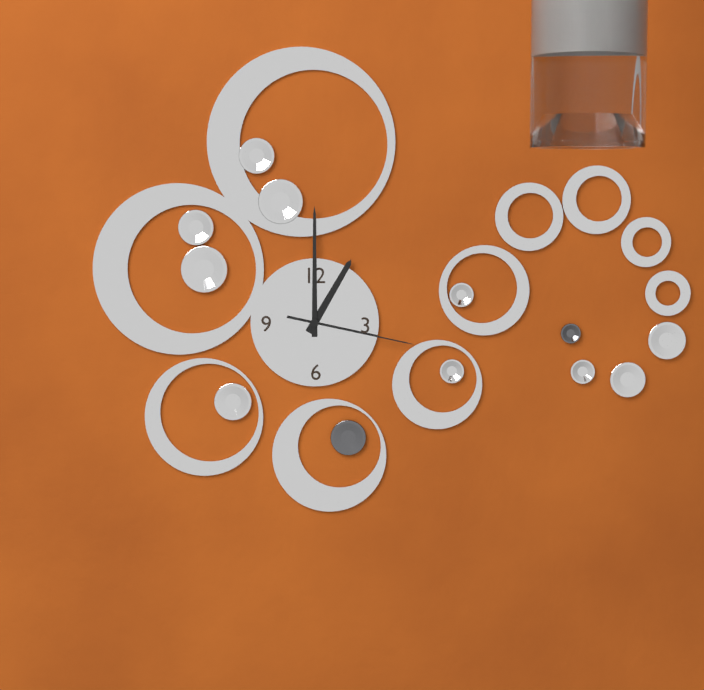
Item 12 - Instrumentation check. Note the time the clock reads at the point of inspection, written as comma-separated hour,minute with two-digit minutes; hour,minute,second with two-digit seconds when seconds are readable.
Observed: 1,00,17
